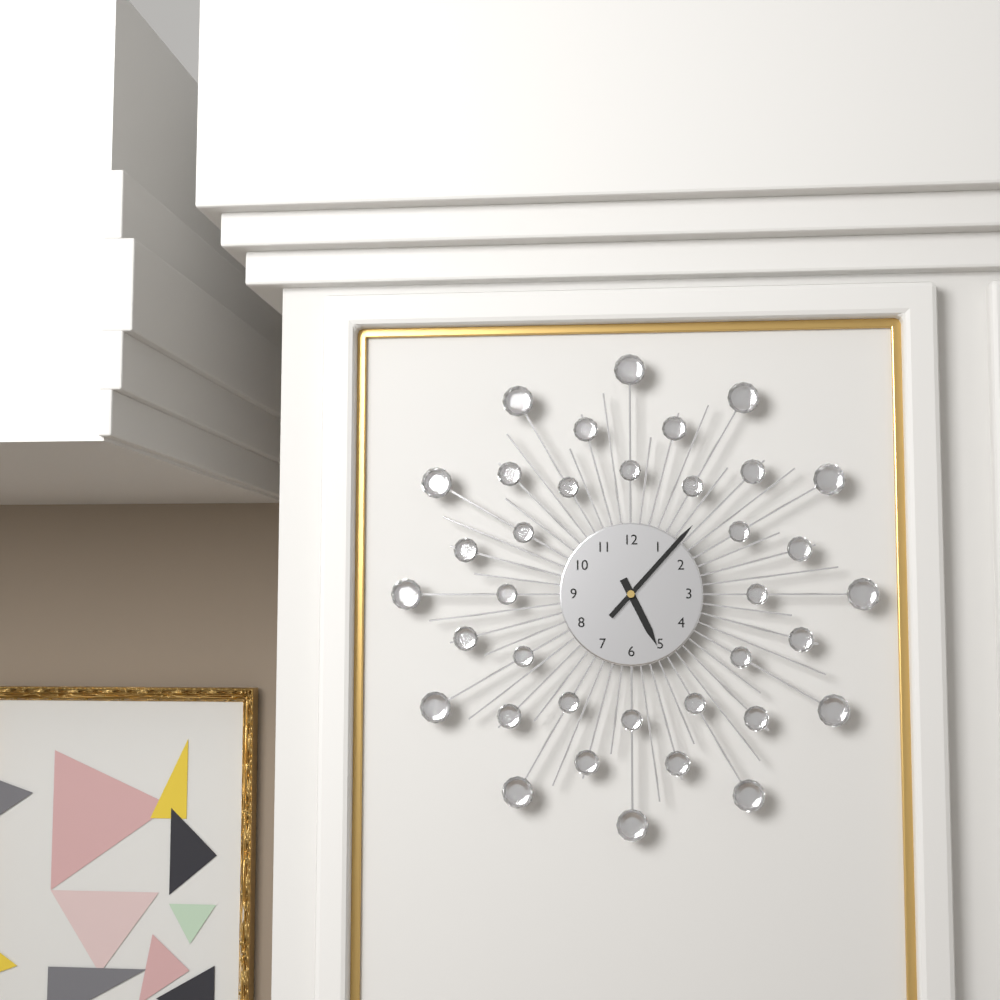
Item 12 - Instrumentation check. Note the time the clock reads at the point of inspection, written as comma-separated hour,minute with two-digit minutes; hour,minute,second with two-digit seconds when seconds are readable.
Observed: 5,07
